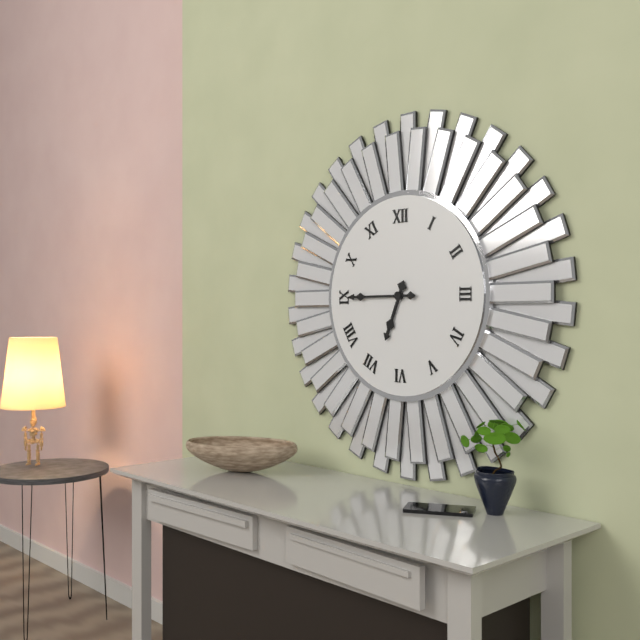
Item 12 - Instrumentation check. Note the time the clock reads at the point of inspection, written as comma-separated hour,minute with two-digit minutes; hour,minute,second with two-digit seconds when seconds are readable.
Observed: 6,45
